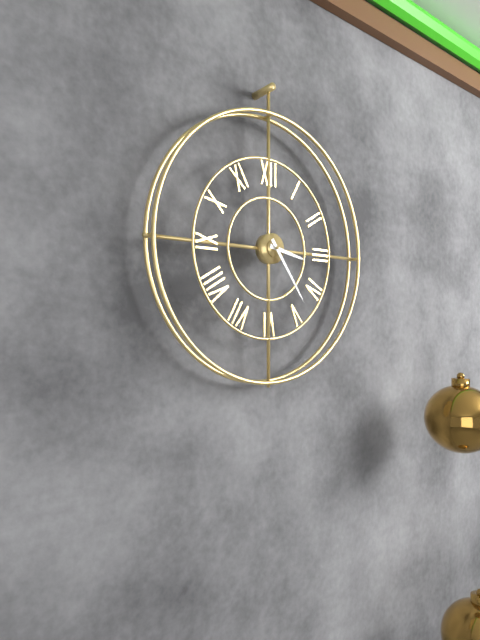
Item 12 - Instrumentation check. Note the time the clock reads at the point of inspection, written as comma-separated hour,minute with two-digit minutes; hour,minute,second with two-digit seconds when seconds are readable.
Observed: 3,24
